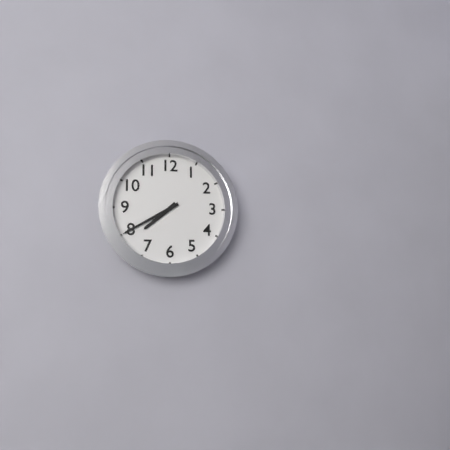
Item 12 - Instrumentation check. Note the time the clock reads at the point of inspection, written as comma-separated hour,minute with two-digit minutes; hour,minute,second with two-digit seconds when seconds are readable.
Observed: 7,40
